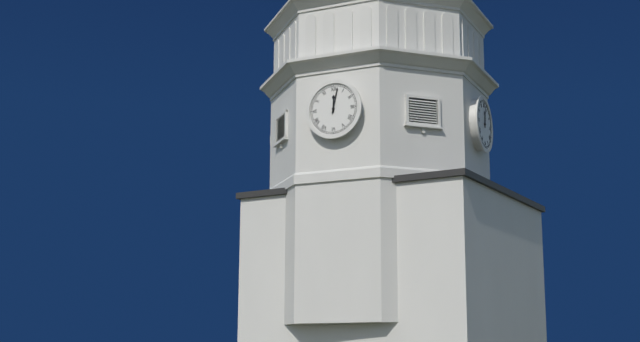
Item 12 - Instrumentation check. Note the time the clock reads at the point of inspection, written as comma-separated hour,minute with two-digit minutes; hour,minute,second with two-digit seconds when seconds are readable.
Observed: 12,02
